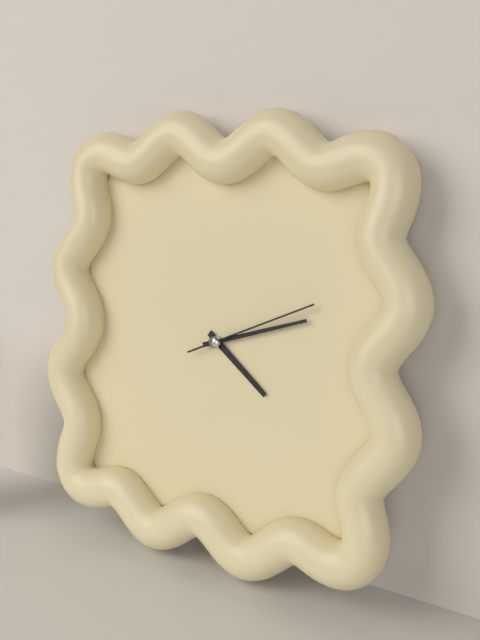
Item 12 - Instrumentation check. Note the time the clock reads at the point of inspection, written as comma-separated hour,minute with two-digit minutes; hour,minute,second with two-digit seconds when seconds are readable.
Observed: 4,12,11
